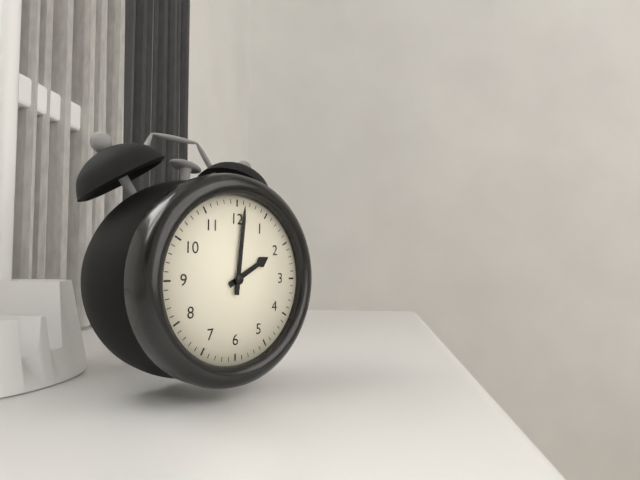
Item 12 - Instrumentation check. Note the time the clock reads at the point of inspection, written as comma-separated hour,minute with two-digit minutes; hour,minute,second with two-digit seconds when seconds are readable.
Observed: 2,01
